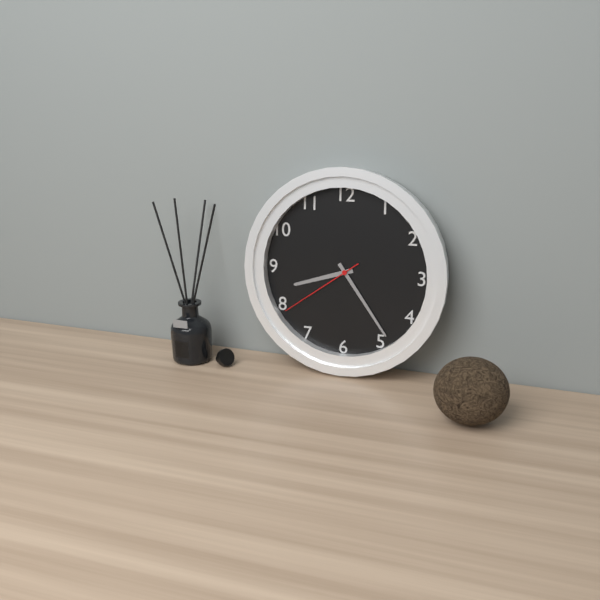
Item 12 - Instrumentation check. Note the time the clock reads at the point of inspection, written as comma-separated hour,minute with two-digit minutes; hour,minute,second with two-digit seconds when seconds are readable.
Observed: 8,24,39
